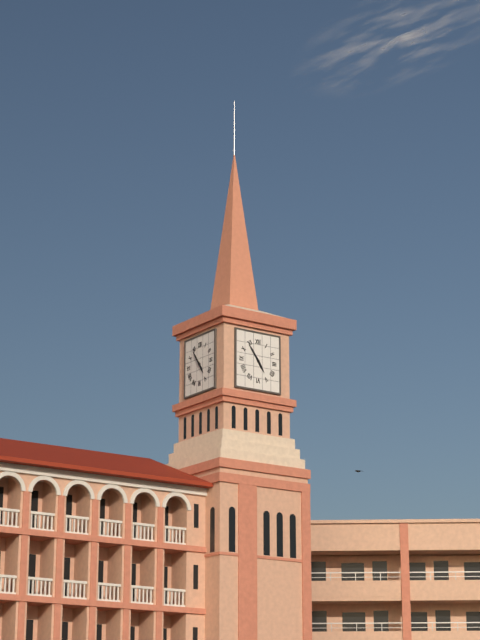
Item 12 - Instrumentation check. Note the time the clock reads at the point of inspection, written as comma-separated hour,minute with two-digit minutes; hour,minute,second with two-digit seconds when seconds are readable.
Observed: 4,54
